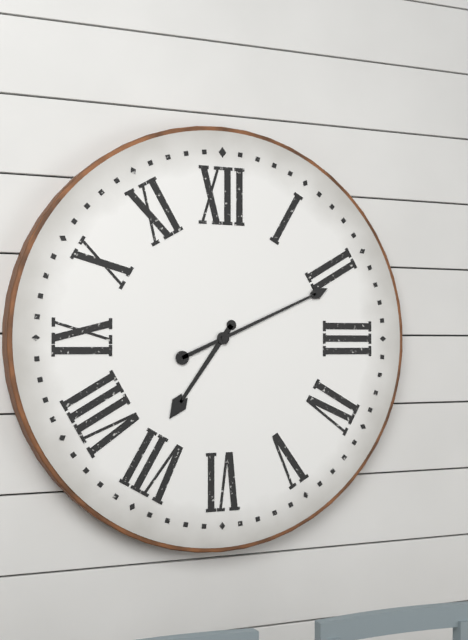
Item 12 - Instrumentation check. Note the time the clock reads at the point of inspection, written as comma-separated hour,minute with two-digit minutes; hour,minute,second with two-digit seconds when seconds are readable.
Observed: 7,11
